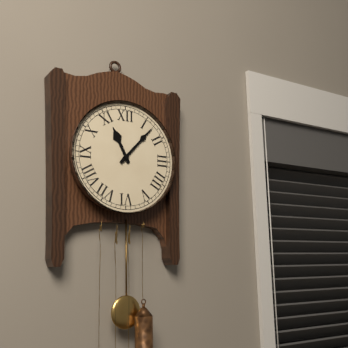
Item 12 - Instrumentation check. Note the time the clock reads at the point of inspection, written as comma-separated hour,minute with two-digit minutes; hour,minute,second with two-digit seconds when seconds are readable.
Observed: 11,07
